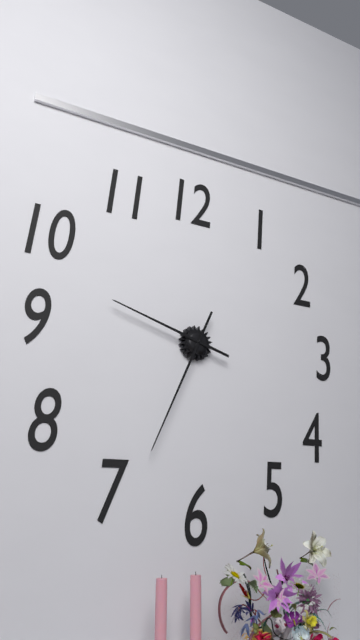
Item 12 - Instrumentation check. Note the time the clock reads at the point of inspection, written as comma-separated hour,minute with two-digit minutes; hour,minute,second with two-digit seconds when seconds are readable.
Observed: 9,34
